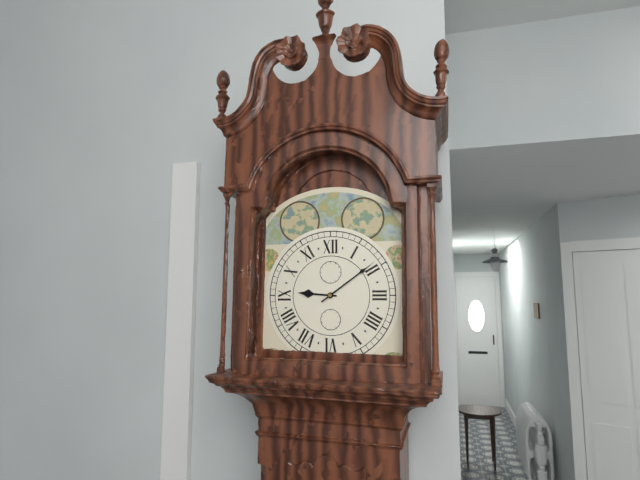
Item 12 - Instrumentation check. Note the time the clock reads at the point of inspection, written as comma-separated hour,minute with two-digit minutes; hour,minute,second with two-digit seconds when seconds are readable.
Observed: 9,09
